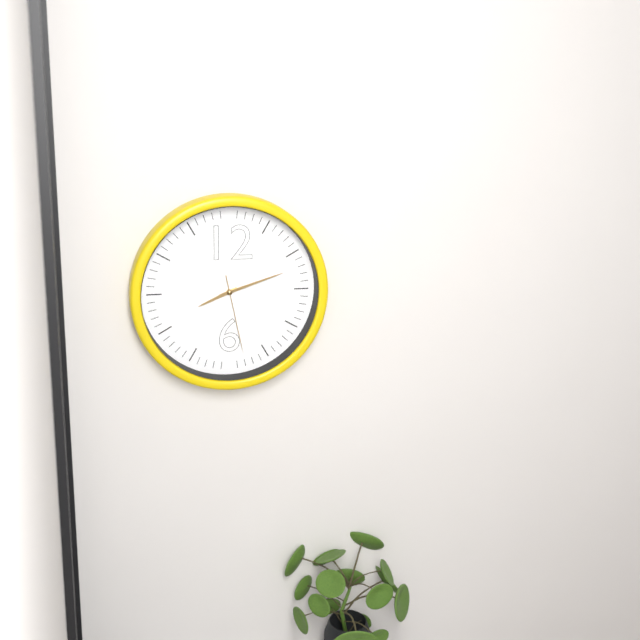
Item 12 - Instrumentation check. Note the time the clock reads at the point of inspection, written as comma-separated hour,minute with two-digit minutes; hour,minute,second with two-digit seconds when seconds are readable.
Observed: 8,12,28
